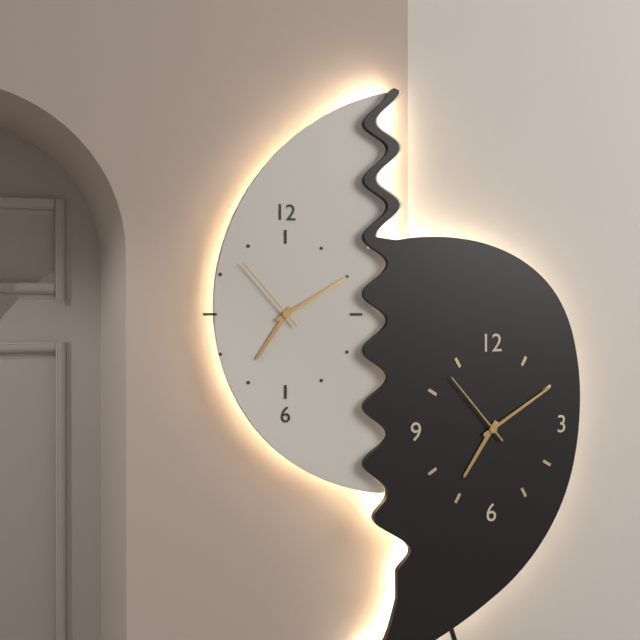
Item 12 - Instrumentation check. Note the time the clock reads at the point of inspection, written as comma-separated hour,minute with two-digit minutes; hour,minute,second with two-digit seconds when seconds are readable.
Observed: 7,10,53
